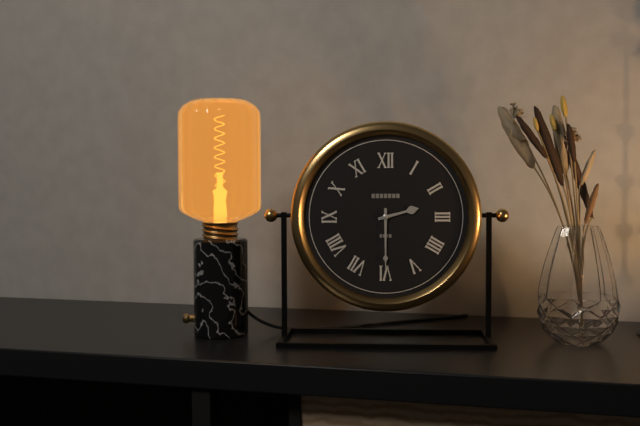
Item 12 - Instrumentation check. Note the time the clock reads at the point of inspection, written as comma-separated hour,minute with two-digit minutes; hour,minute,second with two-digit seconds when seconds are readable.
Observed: 2,30
